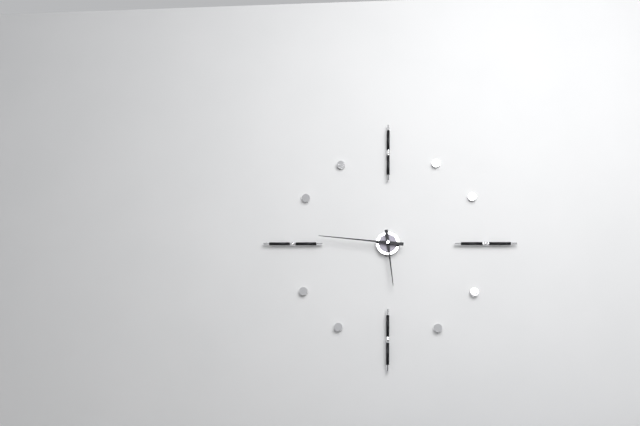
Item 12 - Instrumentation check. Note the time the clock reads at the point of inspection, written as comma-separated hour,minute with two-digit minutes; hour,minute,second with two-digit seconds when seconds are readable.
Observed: 5,46
